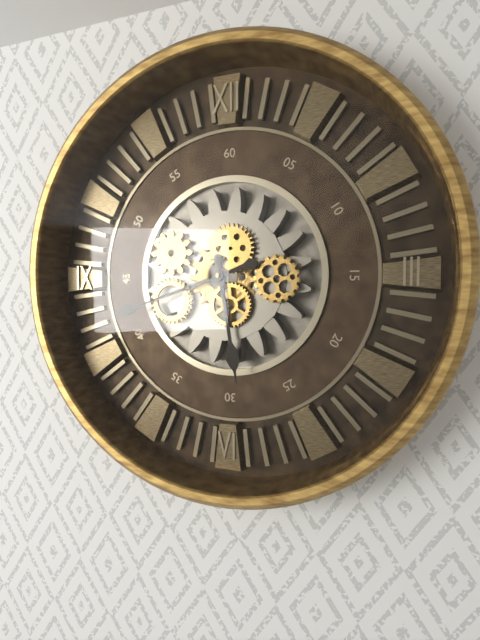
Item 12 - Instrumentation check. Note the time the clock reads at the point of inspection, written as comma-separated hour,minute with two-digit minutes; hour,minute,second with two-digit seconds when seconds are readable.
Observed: 5,42
